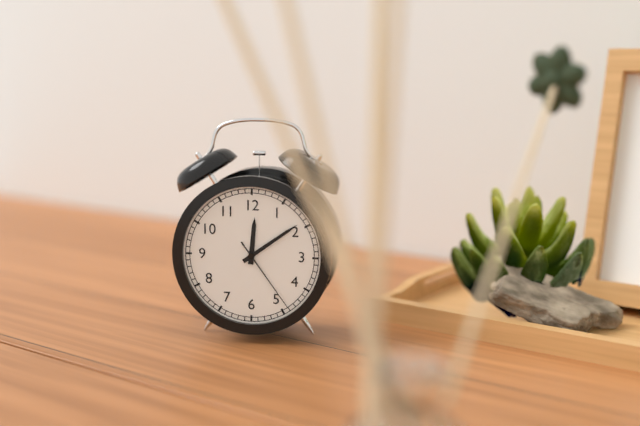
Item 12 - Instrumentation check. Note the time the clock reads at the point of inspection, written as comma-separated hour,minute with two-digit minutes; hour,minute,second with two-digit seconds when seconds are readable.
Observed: 12,09,24
